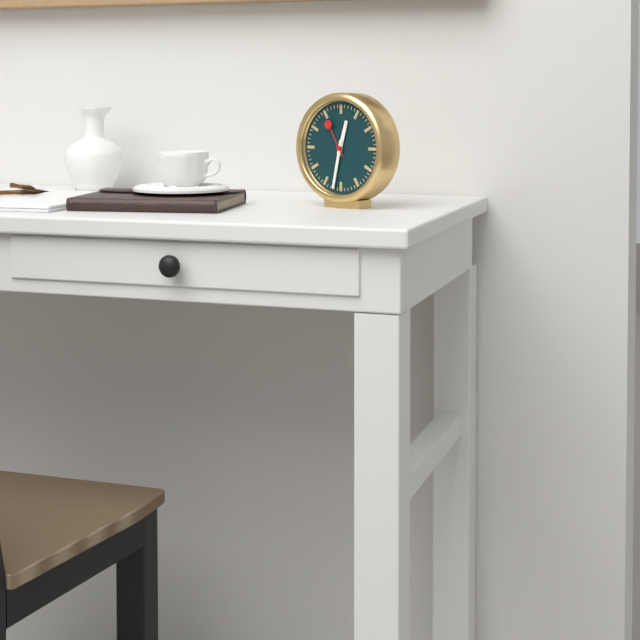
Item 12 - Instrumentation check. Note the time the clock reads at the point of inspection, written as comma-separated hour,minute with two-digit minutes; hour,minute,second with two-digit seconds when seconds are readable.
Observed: 12,32
